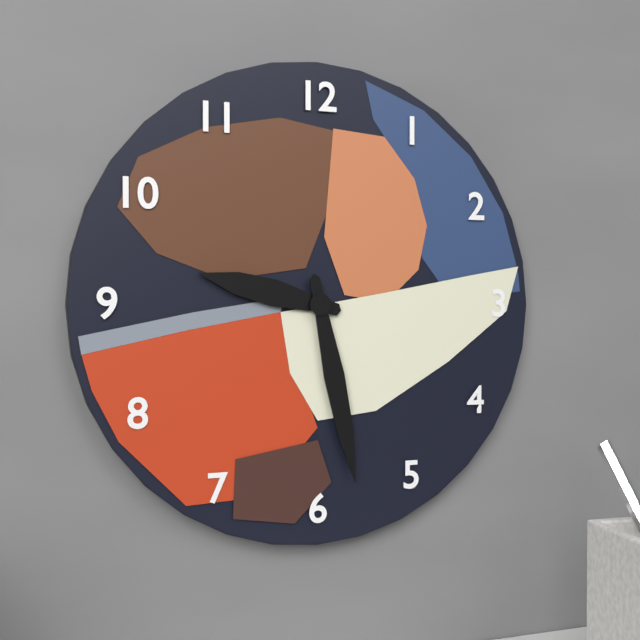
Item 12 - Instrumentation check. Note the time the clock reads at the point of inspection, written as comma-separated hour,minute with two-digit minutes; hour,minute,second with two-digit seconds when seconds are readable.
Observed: 9,28
